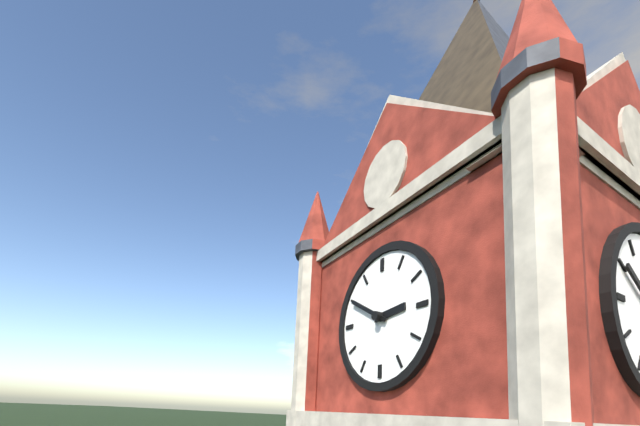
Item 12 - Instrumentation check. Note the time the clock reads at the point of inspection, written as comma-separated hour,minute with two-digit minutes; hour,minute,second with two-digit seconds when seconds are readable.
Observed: 2,50
